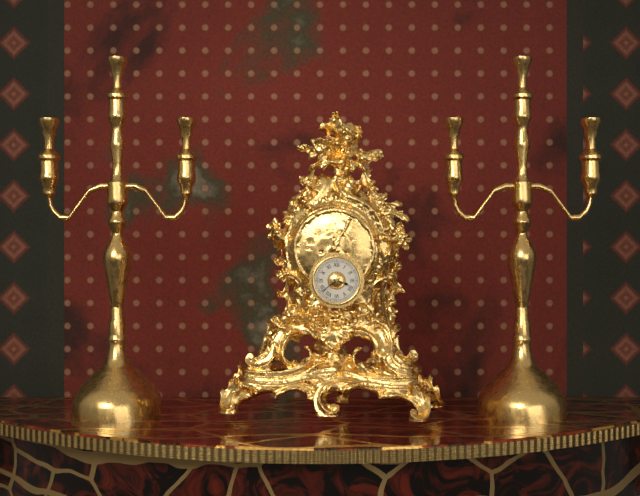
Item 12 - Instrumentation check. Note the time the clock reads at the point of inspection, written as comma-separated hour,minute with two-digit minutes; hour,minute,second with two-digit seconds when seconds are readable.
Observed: 3,39
